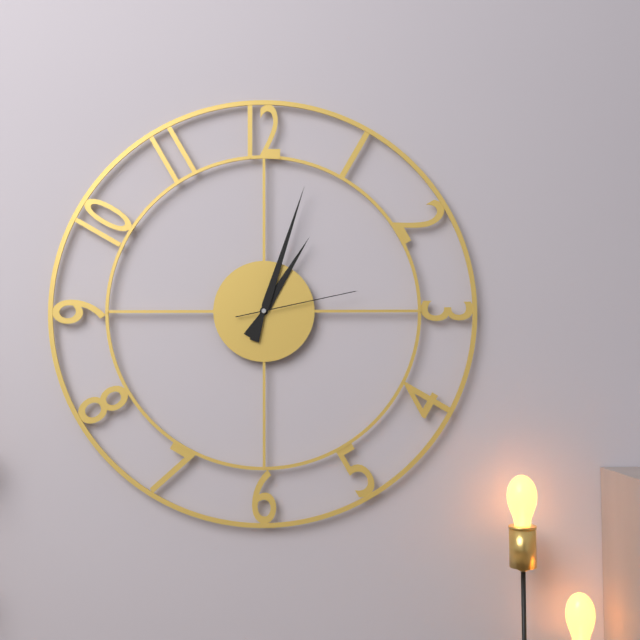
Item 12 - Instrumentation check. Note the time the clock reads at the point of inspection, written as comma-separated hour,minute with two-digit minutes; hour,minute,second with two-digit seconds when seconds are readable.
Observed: 1,03,13
